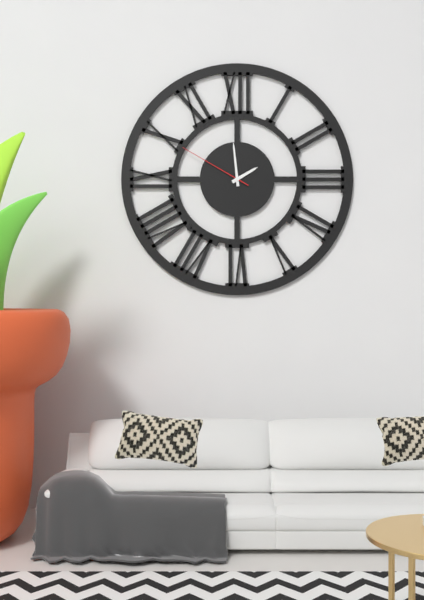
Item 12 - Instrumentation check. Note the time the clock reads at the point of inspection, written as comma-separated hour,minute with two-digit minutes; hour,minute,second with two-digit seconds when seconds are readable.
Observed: 1,59,50
